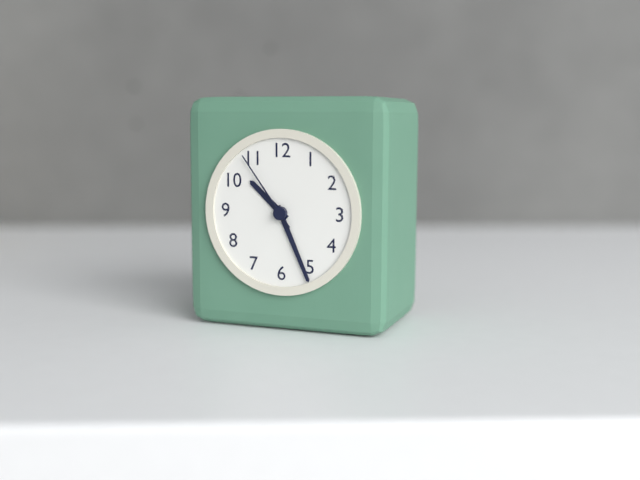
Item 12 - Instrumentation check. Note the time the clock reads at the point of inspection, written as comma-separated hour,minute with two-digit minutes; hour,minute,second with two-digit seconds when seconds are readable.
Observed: 10,26,54
